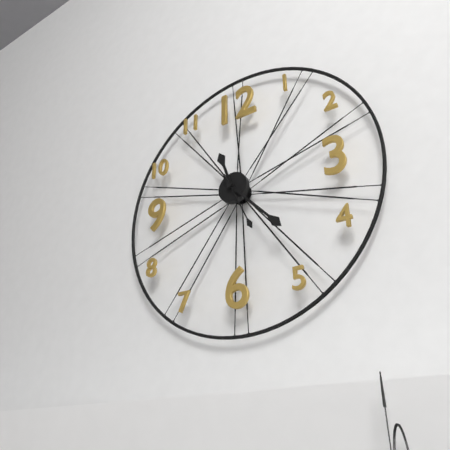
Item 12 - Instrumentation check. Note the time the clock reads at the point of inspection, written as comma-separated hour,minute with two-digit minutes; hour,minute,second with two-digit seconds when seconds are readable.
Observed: 11,23,26
